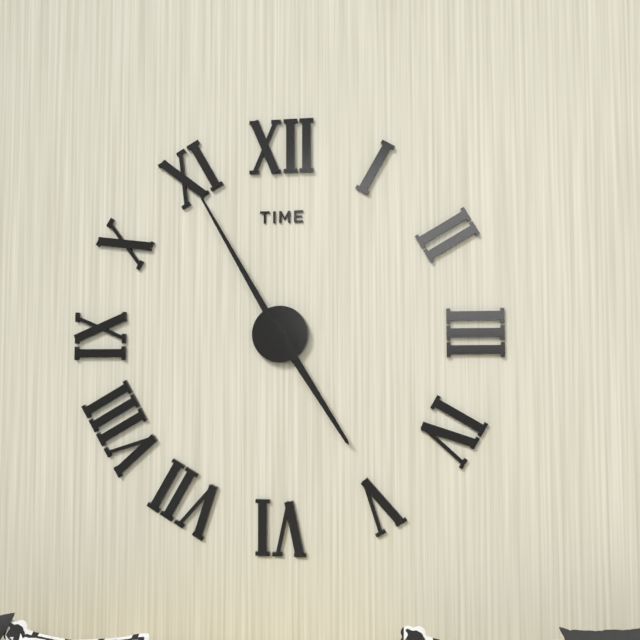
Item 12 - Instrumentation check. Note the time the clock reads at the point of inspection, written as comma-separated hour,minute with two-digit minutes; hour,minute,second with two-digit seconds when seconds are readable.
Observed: 4,55
